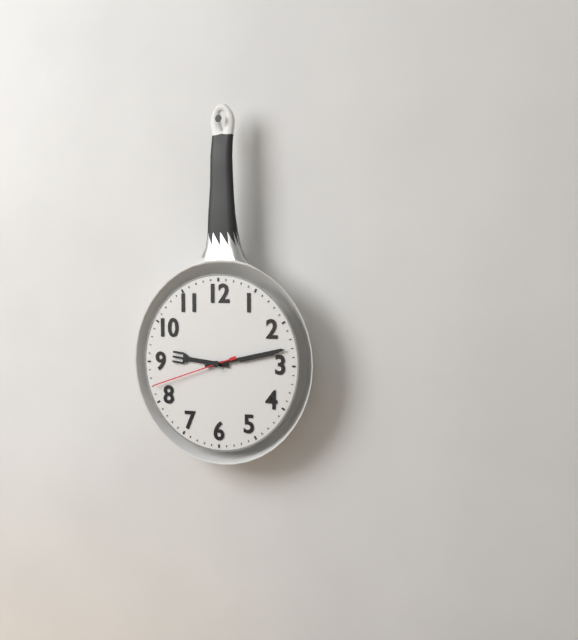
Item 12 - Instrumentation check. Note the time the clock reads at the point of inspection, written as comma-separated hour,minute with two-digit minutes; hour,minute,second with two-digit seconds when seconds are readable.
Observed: 9,13,42
